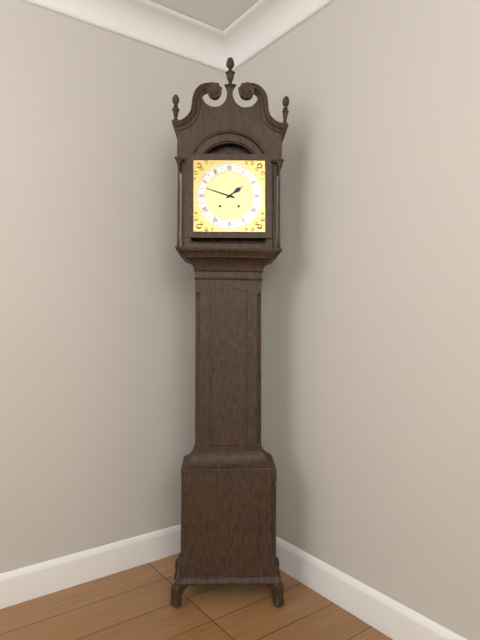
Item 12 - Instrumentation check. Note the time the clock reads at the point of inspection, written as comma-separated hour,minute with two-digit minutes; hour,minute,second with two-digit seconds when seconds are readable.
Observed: 1,48
